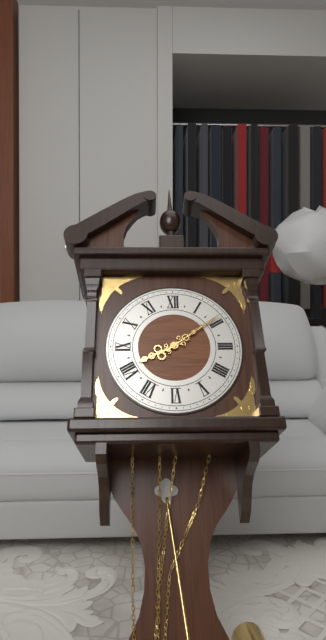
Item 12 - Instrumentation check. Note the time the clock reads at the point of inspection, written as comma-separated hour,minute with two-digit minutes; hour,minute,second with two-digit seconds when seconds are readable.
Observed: 8,09
